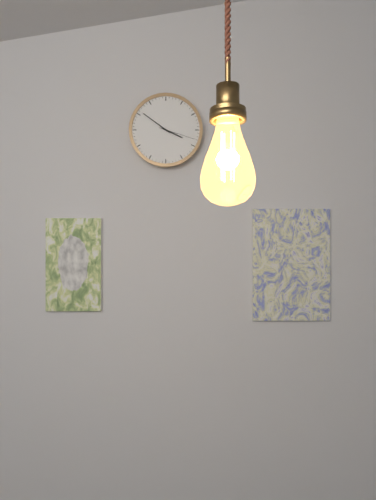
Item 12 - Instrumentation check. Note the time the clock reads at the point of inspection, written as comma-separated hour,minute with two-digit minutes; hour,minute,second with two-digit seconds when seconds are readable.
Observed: 3,51
